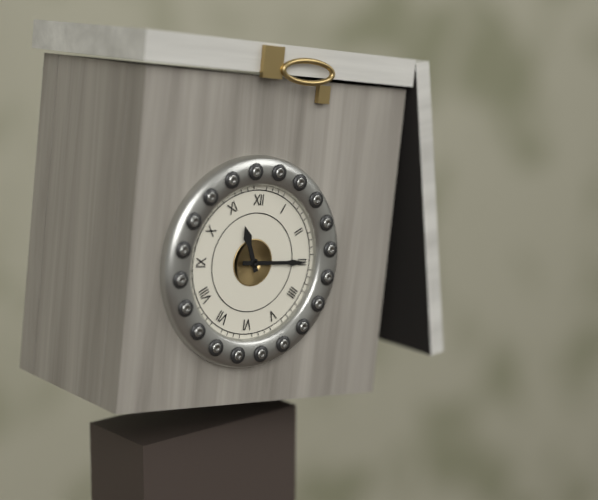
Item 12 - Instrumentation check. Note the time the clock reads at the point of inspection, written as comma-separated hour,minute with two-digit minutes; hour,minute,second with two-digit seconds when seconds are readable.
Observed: 11,15
